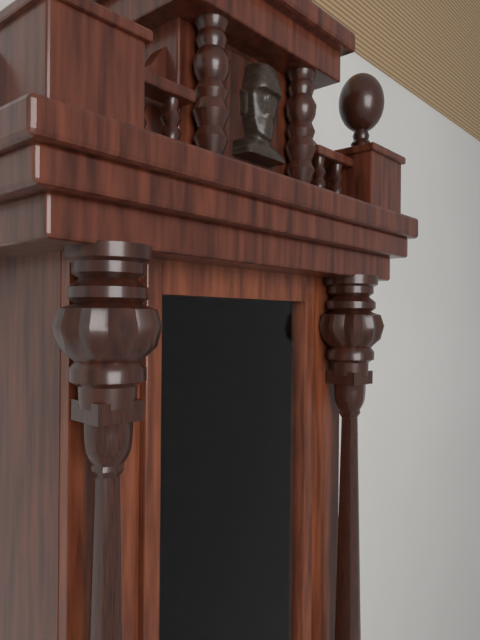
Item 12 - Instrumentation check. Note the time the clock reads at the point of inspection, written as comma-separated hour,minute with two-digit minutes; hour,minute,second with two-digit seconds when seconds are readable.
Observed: 10,07
